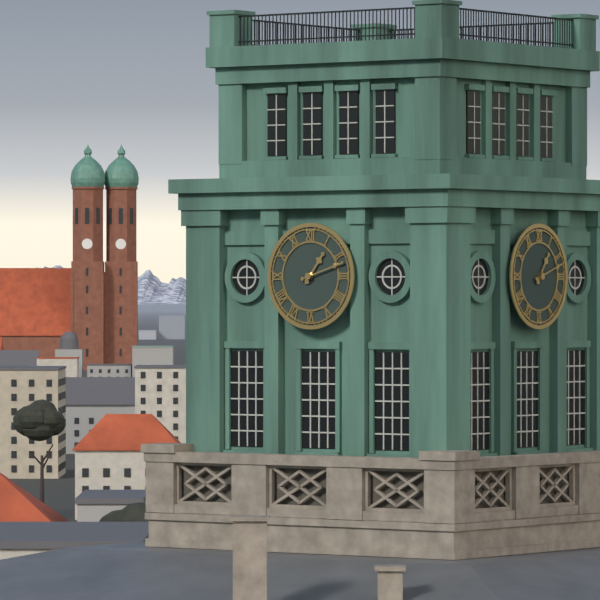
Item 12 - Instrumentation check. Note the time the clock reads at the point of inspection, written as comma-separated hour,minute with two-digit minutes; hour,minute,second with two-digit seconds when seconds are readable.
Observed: 1,12
